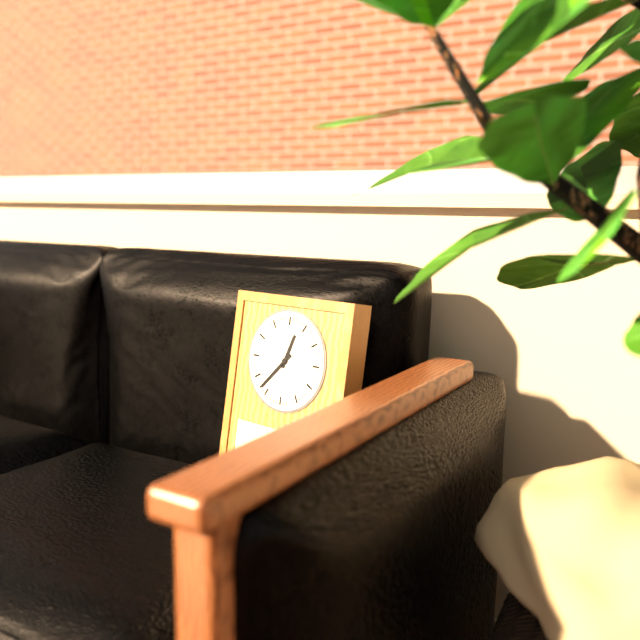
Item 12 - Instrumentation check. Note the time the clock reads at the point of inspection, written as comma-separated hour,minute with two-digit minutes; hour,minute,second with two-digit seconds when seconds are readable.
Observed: 12,37
